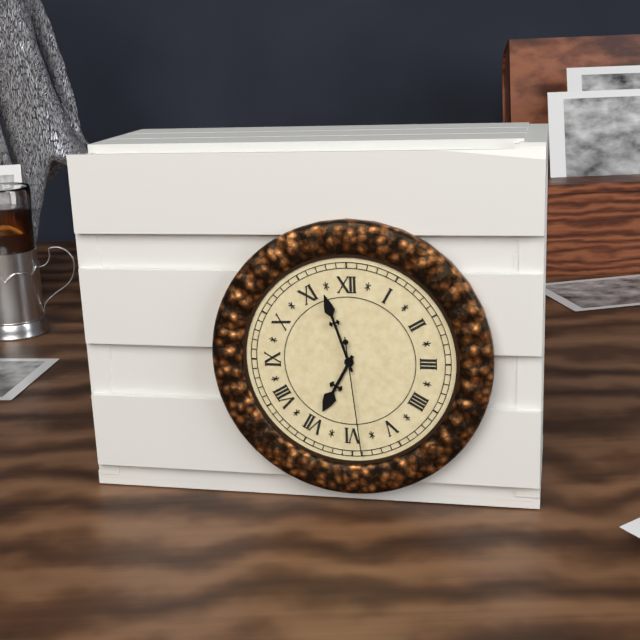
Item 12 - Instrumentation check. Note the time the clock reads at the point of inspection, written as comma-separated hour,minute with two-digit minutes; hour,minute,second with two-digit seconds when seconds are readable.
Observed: 6,57,29
